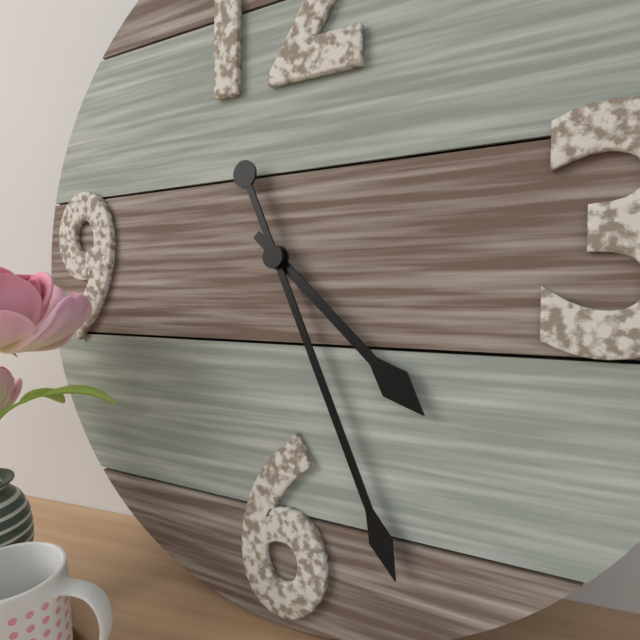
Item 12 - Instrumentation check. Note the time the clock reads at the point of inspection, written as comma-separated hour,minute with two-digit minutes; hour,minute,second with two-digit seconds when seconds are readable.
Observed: 4,26
